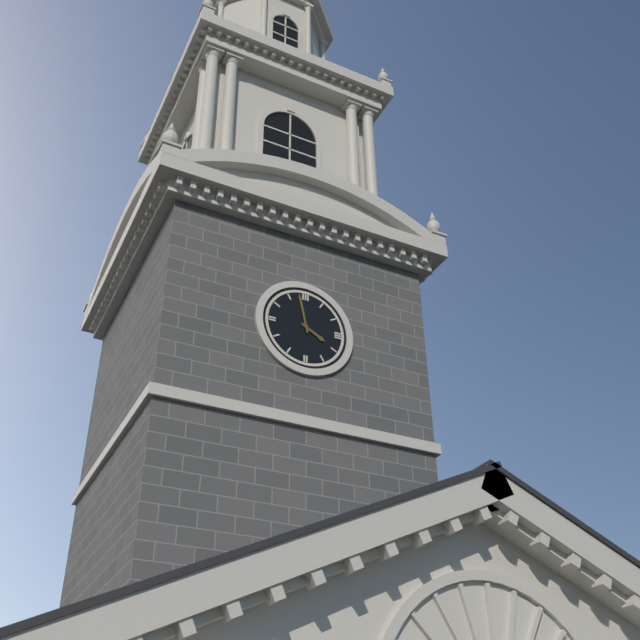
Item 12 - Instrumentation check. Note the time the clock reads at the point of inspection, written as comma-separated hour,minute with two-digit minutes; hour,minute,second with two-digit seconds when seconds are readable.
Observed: 3,58
